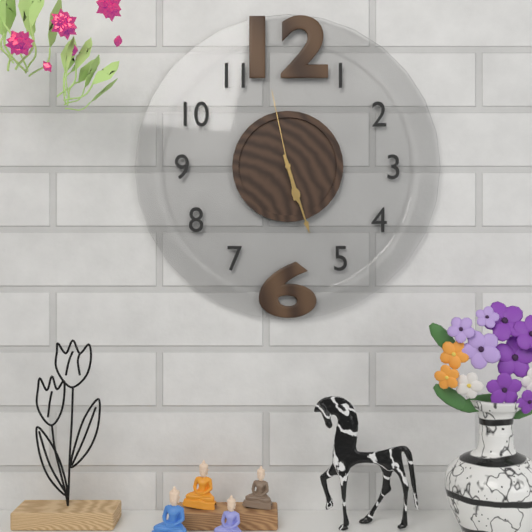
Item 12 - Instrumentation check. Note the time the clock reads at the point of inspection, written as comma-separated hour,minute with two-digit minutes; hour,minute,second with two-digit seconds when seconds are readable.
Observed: 5,27,58
